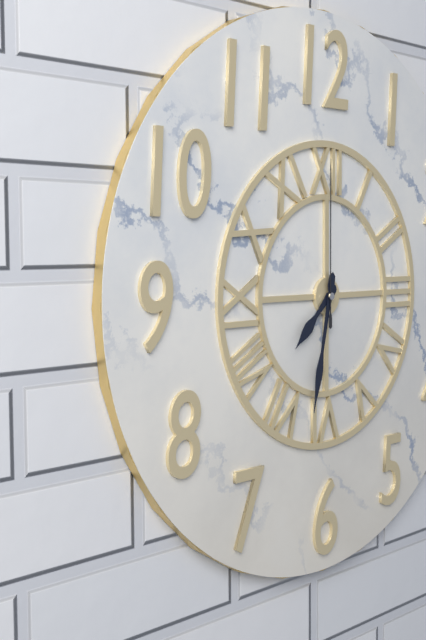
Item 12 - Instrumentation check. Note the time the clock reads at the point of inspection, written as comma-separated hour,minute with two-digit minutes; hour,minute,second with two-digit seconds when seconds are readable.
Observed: 7,32,00
